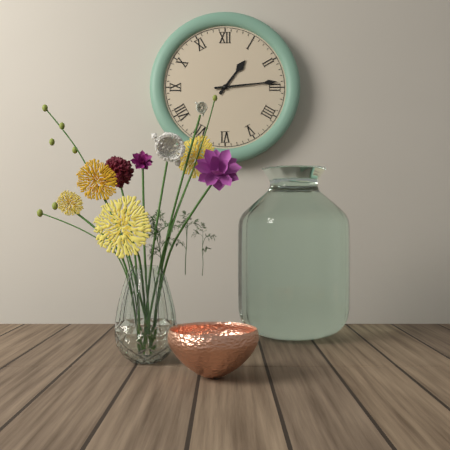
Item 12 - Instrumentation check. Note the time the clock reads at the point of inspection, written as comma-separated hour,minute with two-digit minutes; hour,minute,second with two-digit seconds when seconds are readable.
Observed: 1,14
